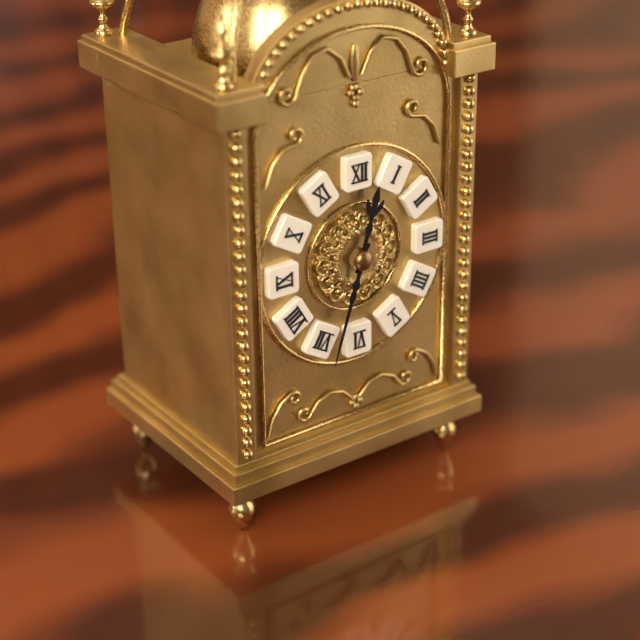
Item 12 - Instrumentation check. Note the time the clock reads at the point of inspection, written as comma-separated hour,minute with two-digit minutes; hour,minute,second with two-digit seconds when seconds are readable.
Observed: 12,33
